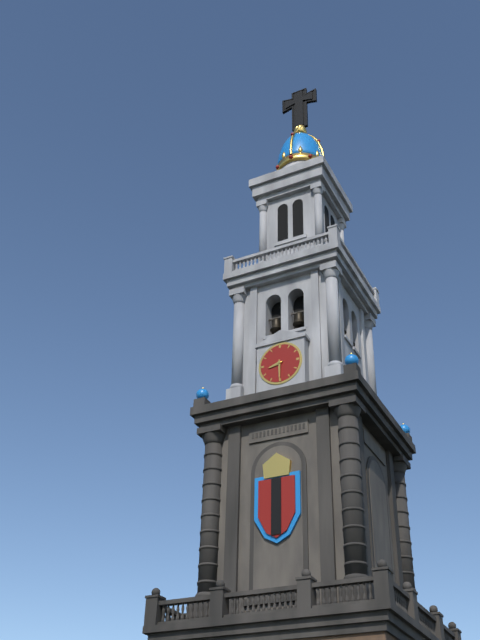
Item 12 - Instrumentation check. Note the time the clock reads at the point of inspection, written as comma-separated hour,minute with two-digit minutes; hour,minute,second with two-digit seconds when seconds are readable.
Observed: 8,30
